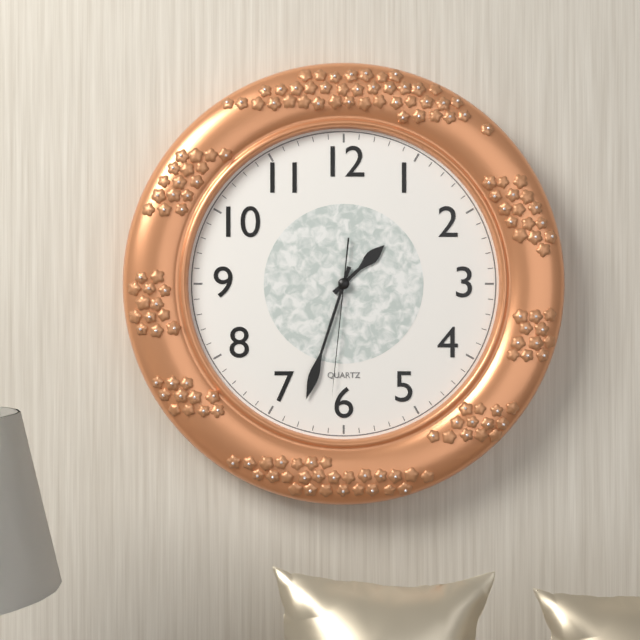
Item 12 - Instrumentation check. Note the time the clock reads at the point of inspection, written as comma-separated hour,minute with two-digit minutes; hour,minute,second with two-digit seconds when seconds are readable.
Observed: 1,33,31
